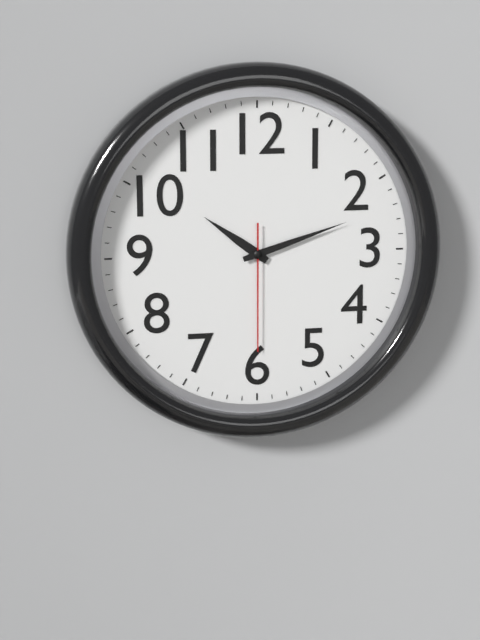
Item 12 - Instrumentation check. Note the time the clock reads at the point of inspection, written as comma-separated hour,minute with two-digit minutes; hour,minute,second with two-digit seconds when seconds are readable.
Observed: 10,12,30
